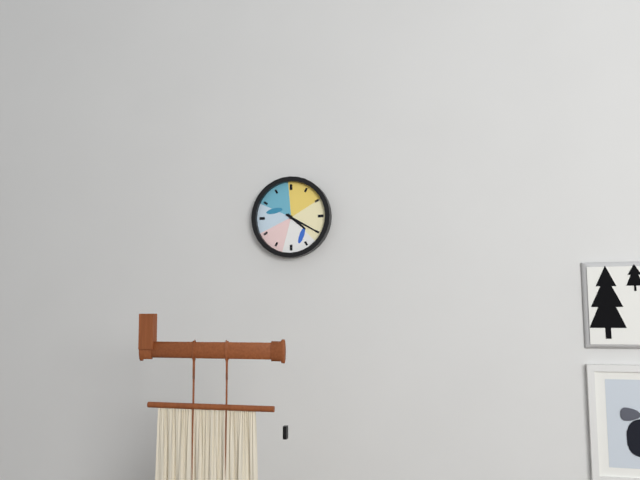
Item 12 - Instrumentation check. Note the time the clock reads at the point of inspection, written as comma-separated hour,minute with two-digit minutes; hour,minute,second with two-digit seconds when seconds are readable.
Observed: 4,20
